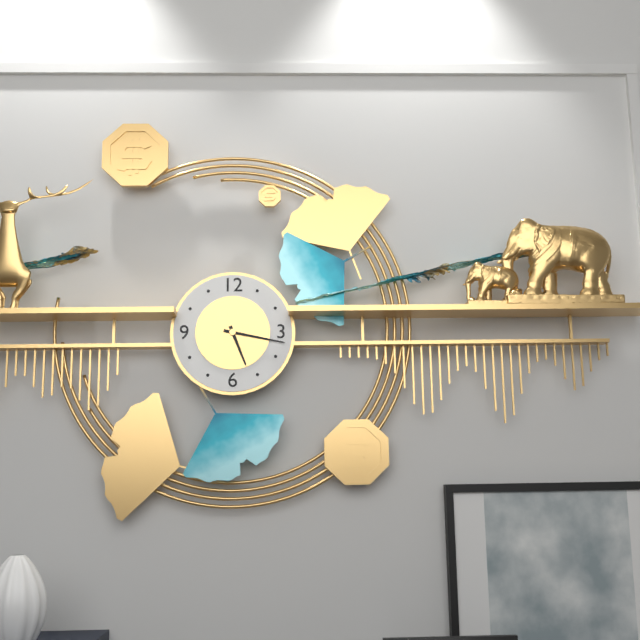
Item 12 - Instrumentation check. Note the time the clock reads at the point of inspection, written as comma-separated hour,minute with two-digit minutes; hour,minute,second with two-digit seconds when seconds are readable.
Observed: 5,17
